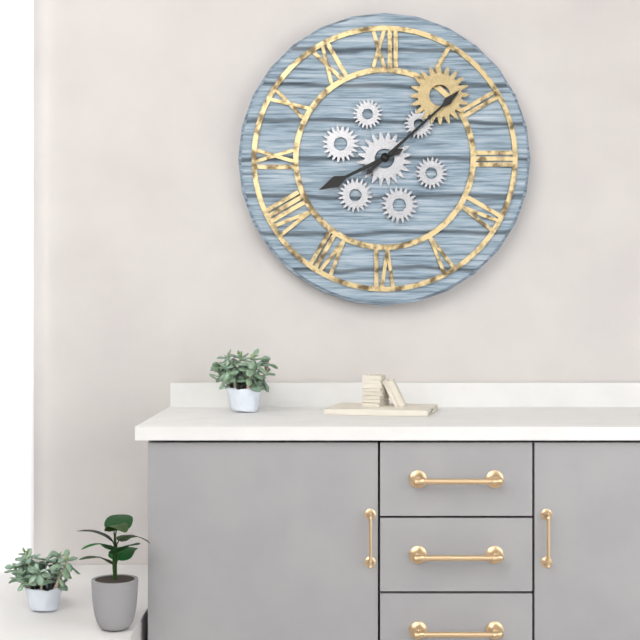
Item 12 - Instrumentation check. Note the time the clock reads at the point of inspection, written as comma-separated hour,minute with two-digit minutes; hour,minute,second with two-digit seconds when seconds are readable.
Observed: 8,08
